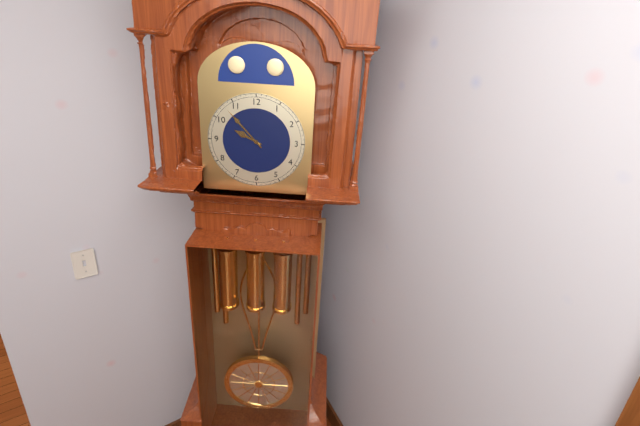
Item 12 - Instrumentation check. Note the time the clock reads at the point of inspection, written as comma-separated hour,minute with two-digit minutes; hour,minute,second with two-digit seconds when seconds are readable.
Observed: 9,53
